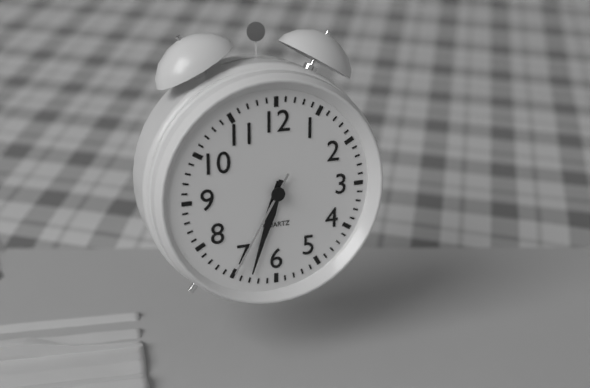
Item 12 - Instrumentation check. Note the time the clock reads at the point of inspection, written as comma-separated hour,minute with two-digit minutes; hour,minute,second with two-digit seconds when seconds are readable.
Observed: 6,33,35
